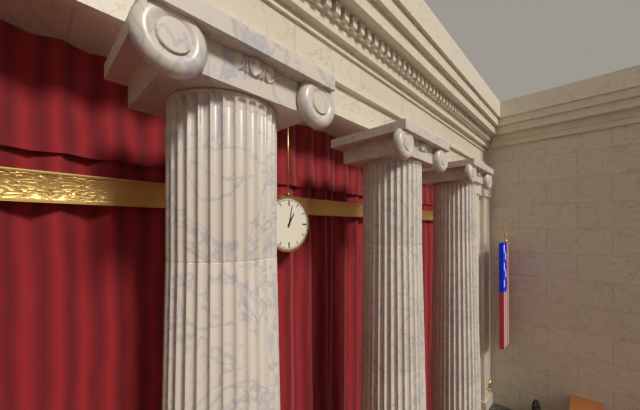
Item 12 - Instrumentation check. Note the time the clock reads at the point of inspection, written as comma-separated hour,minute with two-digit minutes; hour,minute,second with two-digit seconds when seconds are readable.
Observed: 1,02
